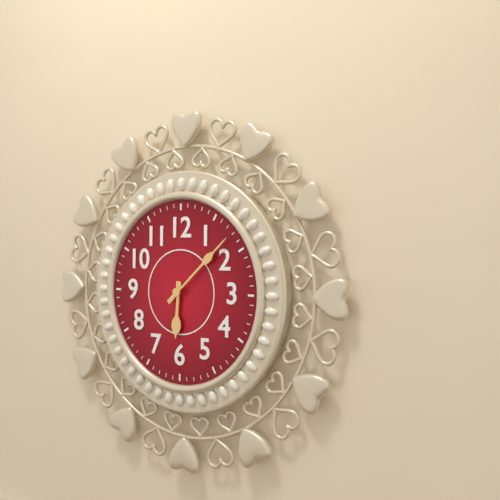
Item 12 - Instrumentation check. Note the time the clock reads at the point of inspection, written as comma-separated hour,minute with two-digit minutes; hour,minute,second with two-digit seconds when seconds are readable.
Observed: 6,08
